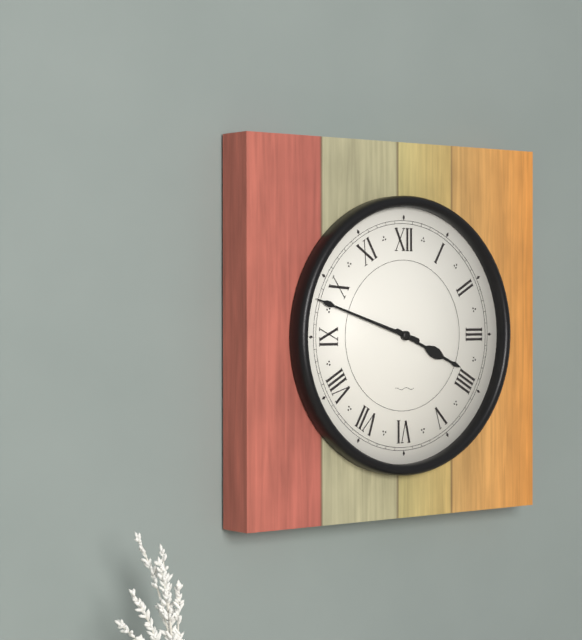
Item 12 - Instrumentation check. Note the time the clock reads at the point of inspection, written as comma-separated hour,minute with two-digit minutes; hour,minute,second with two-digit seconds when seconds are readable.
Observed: 3,48
